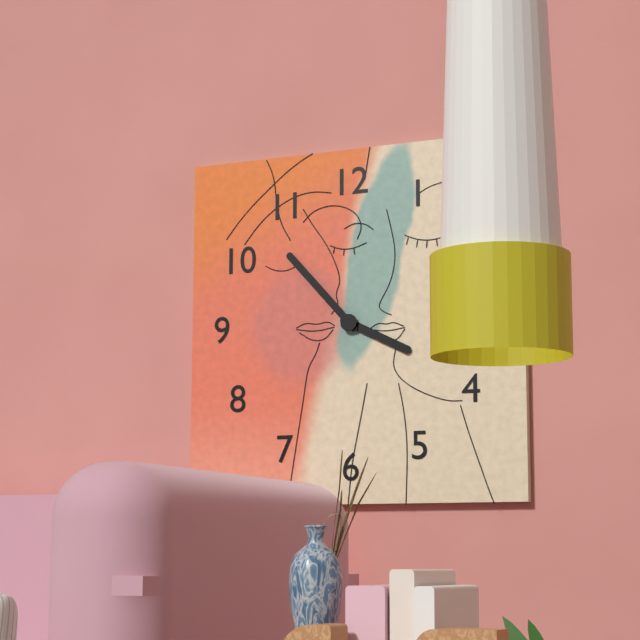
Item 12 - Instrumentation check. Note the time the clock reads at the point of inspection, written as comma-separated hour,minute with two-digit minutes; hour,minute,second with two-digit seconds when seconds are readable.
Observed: 3,53
